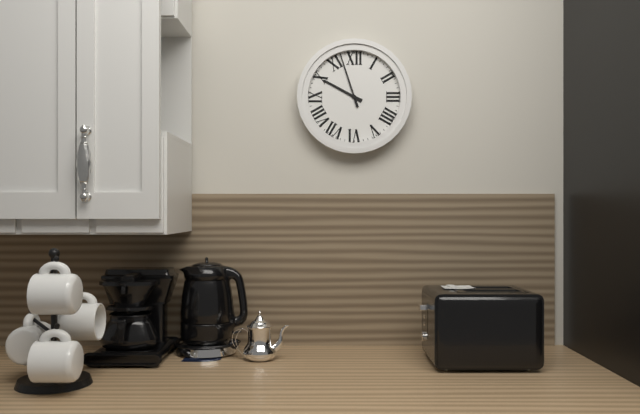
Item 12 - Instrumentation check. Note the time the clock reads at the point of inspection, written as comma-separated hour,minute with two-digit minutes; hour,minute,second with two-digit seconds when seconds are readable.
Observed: 9,57
